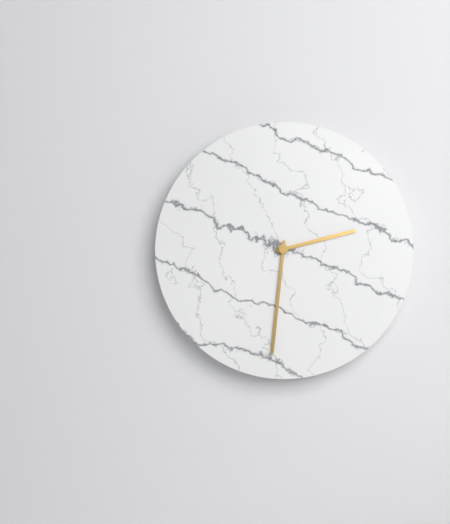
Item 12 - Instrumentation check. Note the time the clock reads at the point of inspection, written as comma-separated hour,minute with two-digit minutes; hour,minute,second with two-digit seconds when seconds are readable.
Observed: 2,31
